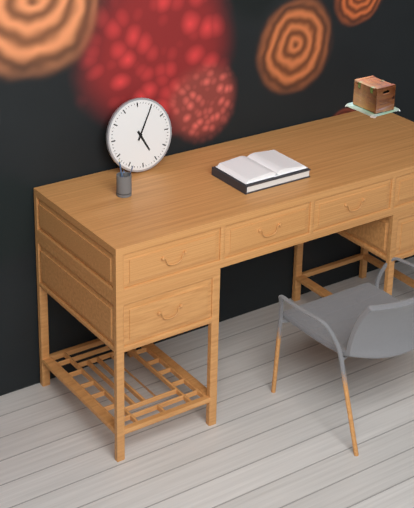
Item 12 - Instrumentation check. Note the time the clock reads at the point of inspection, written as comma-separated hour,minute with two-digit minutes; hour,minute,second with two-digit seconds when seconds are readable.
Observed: 5,05
